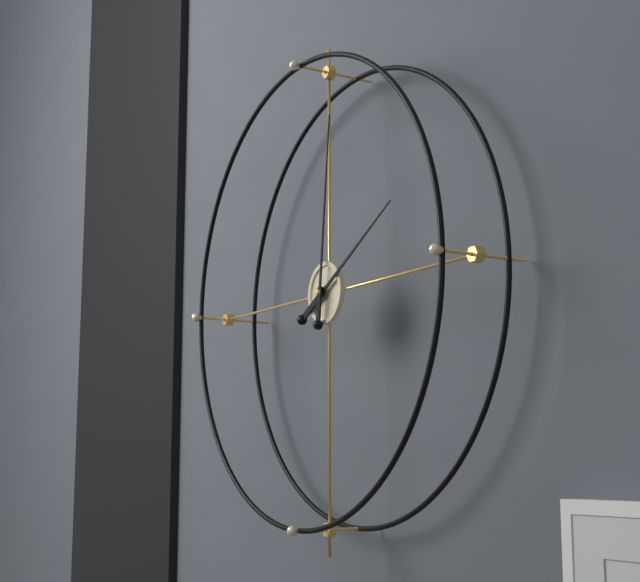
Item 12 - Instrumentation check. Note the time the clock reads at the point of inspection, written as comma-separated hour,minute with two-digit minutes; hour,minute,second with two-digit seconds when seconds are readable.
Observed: 2,01
